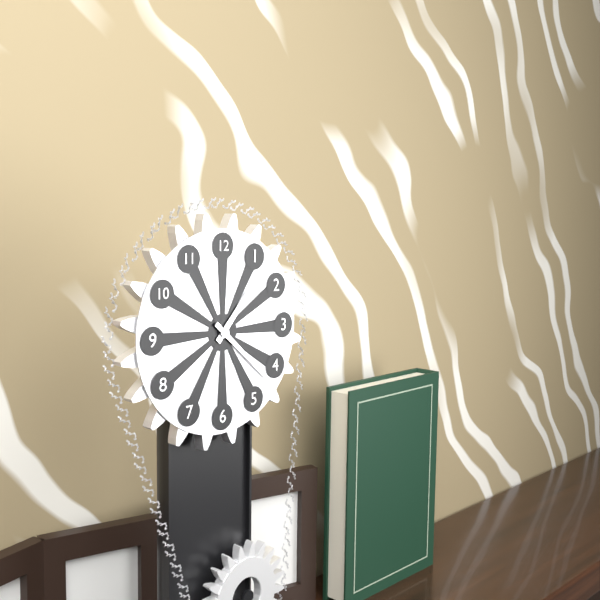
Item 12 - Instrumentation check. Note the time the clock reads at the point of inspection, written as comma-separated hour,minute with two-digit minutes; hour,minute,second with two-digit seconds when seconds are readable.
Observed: 1,22
